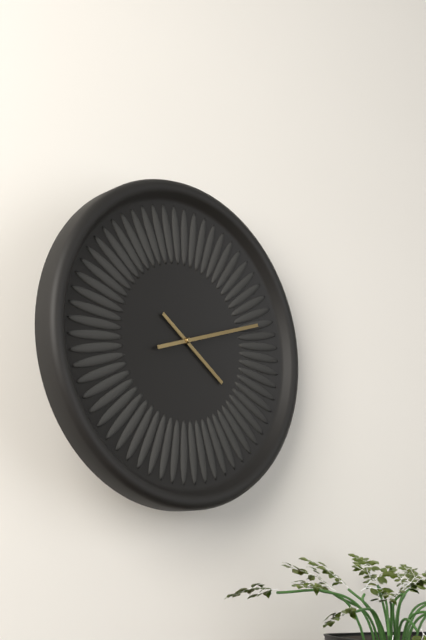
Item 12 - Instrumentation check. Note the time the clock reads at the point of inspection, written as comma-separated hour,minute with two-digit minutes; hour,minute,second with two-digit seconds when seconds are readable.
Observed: 4,12
